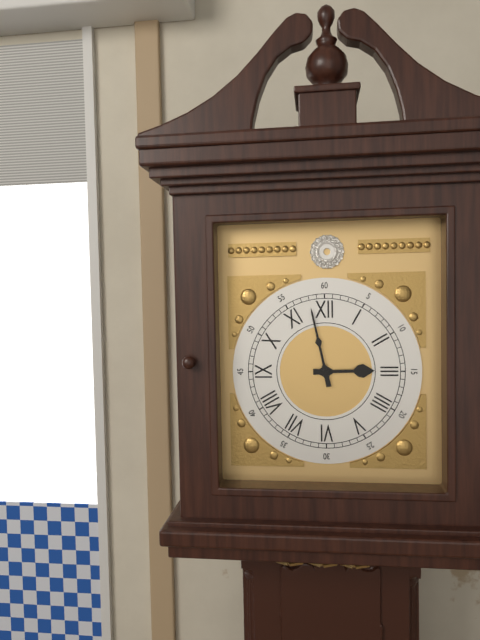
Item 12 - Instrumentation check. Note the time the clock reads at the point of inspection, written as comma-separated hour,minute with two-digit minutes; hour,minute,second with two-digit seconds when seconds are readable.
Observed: 2,58
